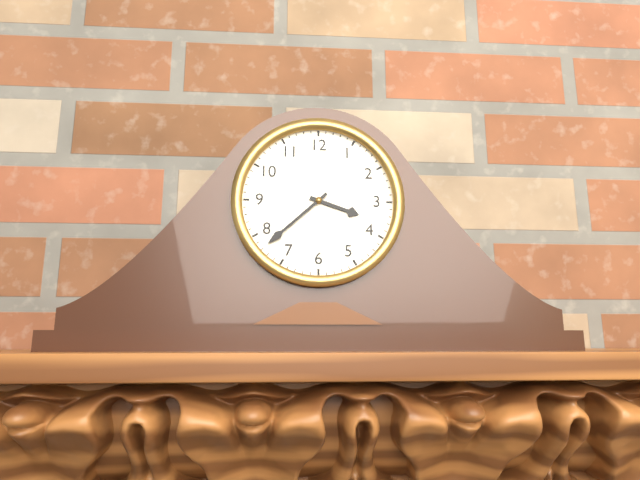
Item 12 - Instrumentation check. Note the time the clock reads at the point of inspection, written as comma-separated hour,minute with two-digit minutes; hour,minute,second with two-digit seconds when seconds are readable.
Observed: 3,38
